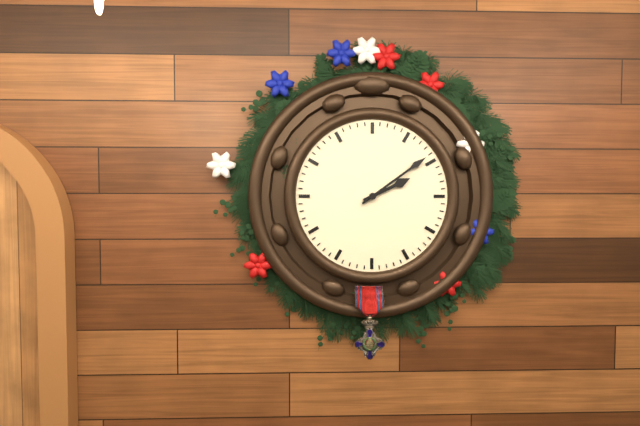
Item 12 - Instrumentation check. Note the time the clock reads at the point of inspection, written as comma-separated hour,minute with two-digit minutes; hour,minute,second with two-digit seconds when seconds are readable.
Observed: 2,09
